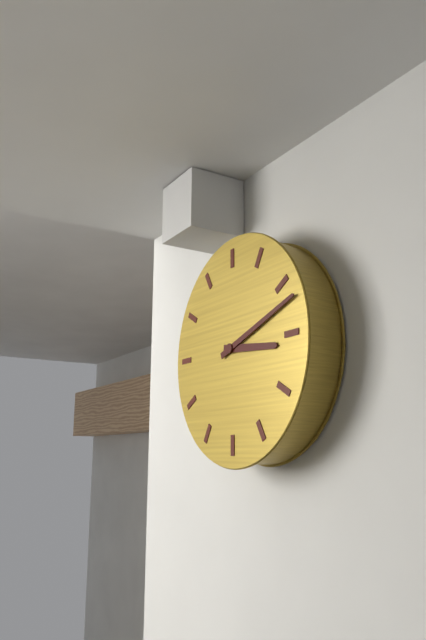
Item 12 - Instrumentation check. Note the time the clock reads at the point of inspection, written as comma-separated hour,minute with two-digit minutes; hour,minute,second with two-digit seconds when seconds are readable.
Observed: 3,12
